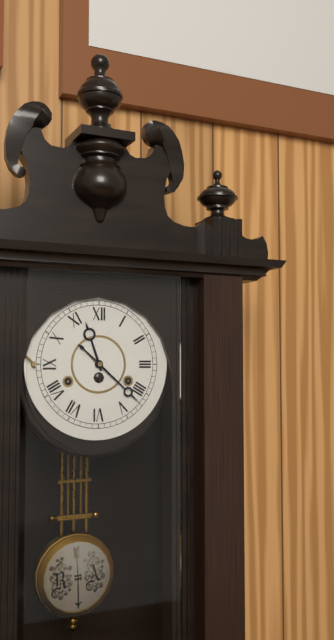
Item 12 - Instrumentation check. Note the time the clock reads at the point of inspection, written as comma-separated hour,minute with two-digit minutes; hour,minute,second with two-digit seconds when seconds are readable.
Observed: 11,22
